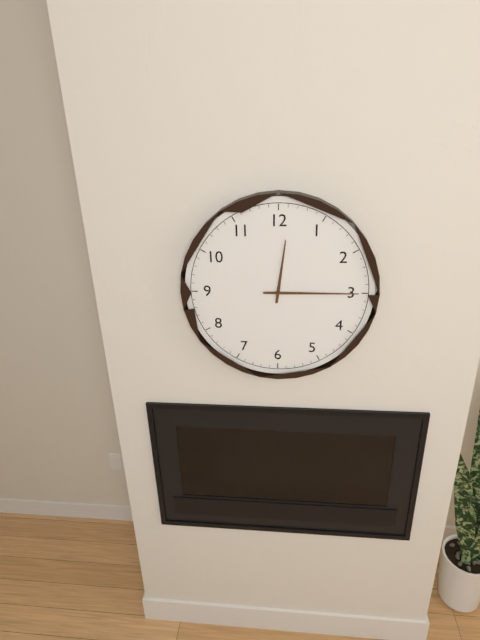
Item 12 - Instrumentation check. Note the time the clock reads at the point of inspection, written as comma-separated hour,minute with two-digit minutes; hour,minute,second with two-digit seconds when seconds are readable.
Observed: 12,15
